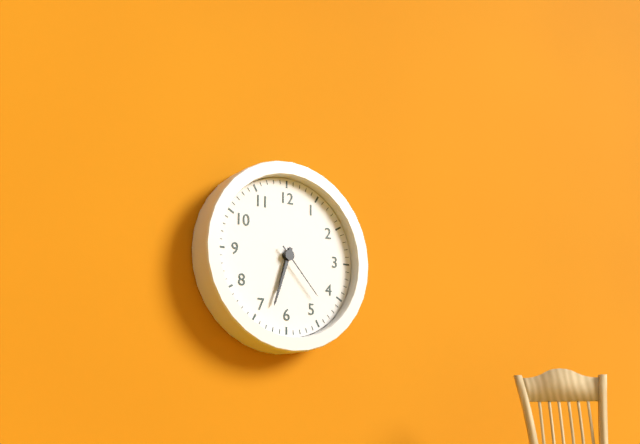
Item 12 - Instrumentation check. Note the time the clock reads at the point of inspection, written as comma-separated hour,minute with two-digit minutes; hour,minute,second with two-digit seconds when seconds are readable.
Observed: 6,33,23
